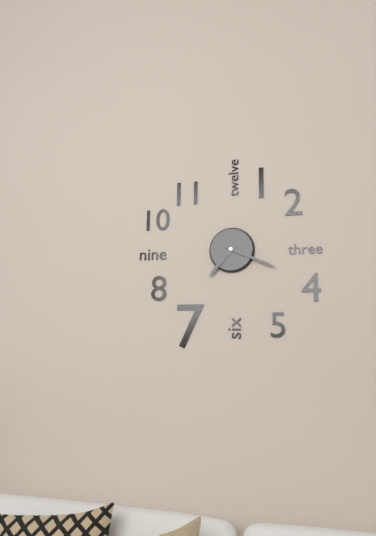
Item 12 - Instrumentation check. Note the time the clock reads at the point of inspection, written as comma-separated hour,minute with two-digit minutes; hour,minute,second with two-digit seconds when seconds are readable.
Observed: 7,19
